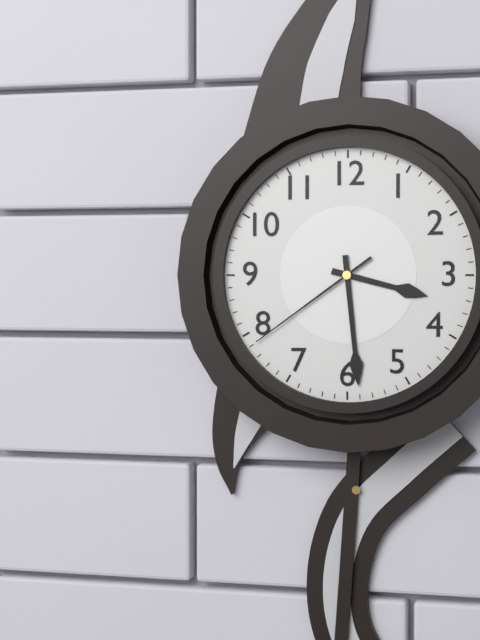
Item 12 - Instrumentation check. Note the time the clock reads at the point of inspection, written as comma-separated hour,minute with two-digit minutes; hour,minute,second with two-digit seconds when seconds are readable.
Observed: 3,29,39
